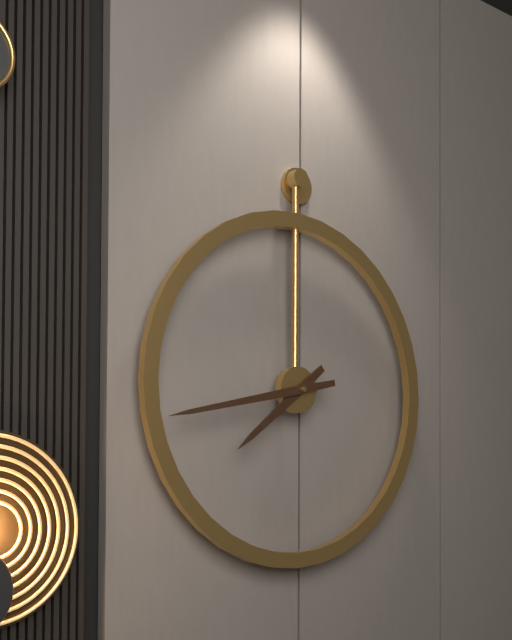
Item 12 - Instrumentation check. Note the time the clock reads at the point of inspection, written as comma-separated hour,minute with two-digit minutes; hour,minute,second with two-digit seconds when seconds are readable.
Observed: 7,43
